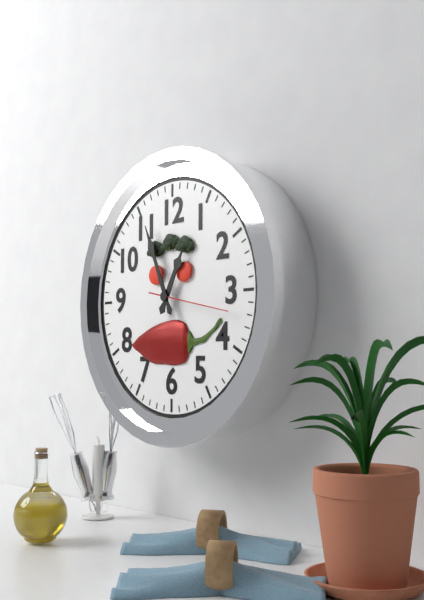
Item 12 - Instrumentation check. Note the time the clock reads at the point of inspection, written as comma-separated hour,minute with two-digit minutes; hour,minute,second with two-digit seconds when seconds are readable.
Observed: 12,56,17
